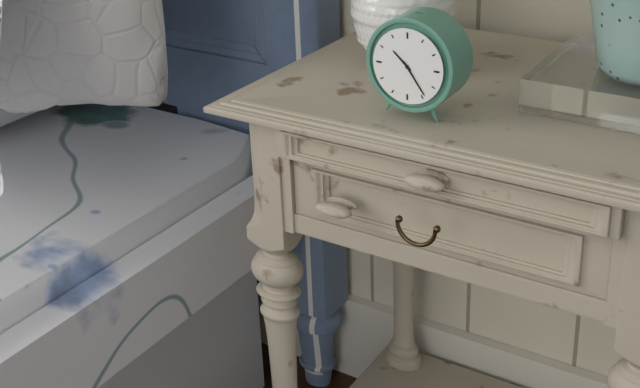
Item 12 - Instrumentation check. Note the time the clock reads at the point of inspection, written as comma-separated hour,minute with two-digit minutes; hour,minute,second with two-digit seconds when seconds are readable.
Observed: 10,24
